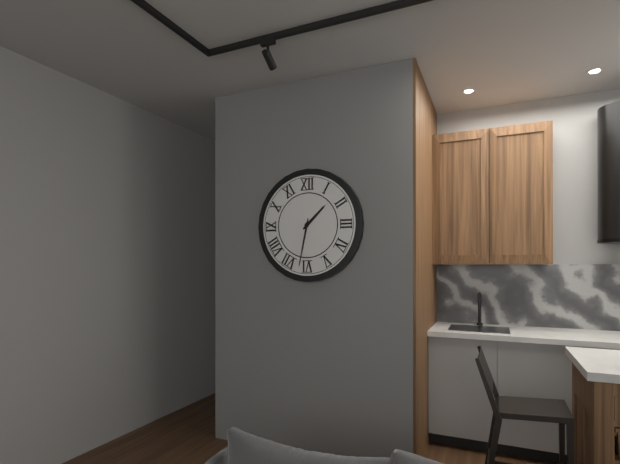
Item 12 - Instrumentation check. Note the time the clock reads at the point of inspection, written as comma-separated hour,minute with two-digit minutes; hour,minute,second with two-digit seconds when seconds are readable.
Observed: 1,32
